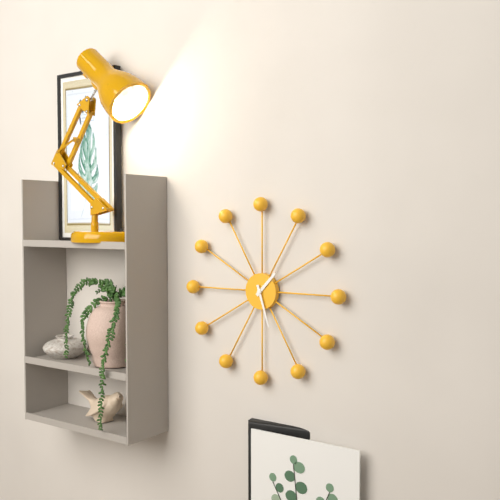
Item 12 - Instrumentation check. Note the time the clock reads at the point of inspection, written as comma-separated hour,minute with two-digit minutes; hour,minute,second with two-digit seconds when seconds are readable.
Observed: 1,27
